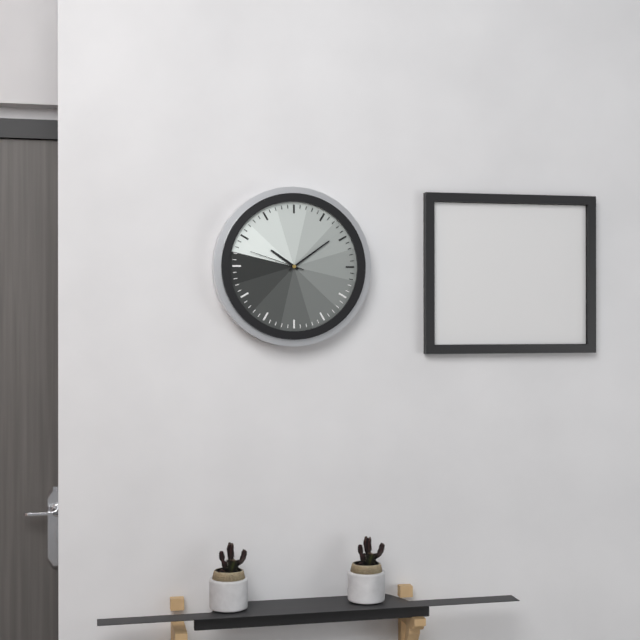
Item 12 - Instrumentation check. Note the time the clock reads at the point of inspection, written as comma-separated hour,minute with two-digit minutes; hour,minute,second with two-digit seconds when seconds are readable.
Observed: 10,09,48
